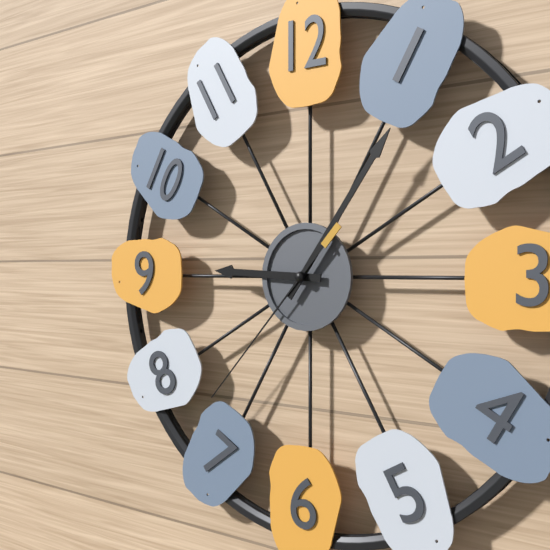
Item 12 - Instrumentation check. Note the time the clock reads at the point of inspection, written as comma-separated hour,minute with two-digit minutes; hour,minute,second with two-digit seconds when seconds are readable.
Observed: 9,06,37
